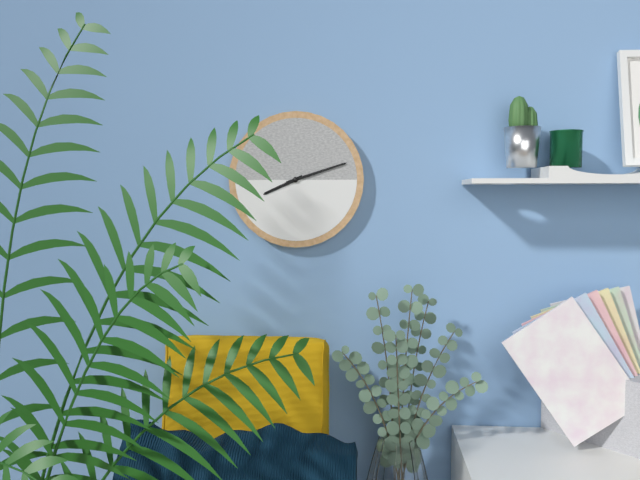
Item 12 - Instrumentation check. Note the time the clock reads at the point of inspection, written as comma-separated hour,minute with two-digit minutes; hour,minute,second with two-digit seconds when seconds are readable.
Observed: 8,12
